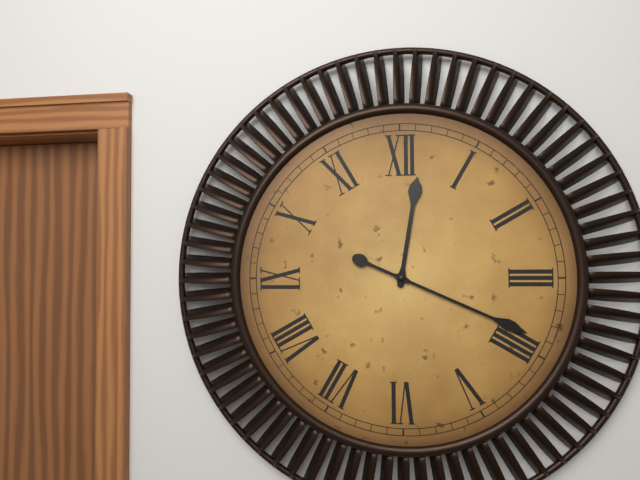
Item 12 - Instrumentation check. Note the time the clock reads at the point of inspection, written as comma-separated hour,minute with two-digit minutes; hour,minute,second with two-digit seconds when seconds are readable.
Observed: 12,19
